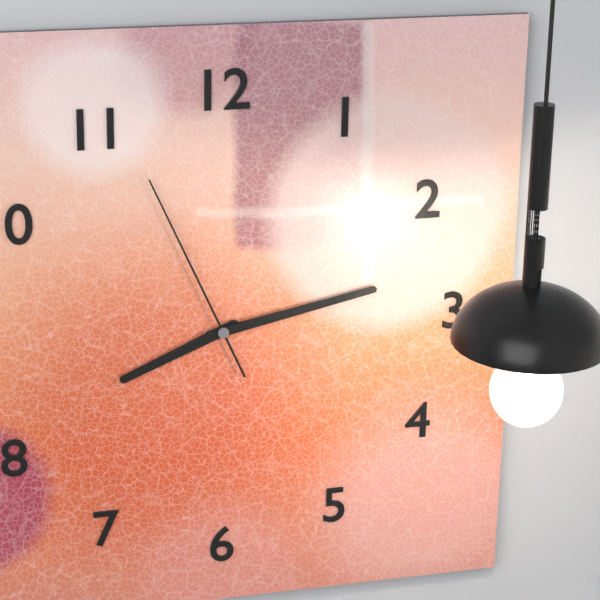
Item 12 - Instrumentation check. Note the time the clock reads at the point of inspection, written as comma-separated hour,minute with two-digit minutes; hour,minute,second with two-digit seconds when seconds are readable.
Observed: 8,13,56
